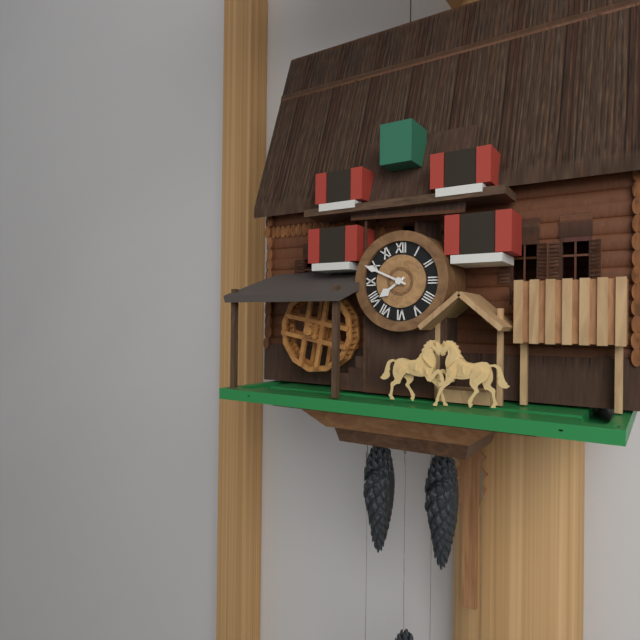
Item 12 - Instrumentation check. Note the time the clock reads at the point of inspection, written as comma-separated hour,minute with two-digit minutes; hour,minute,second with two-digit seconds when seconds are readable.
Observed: 7,49
